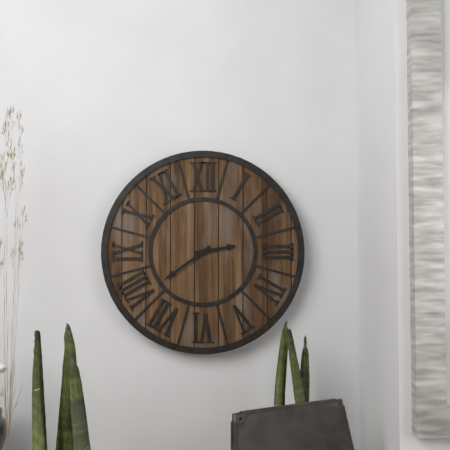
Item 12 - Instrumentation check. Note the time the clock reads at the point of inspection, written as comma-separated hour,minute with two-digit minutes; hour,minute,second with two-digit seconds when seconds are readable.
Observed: 2,39
